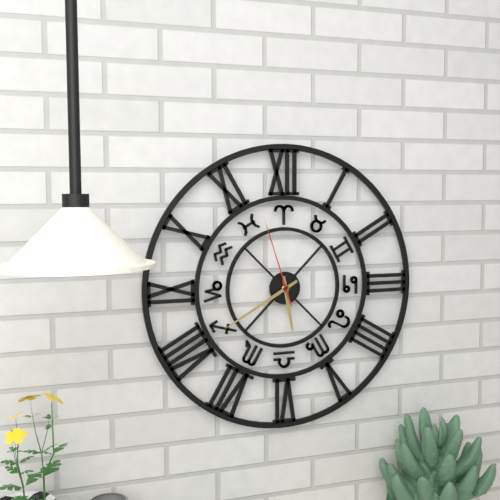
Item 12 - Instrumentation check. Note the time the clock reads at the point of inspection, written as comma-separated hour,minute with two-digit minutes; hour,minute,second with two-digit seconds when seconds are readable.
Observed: 5,40,57
